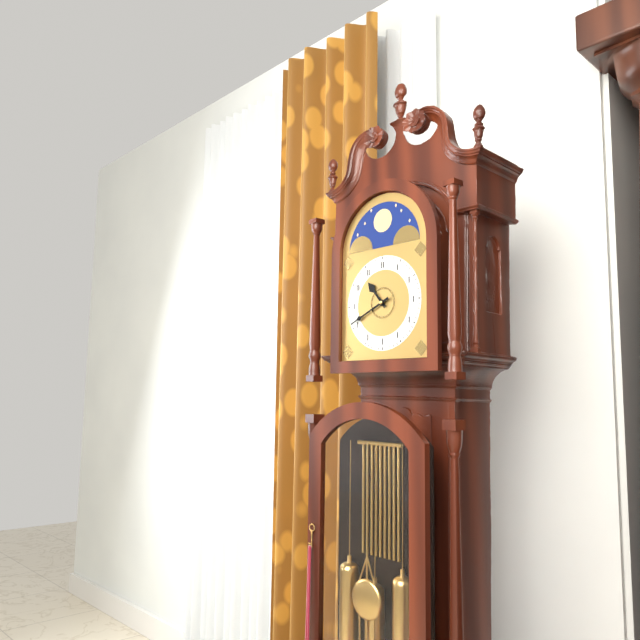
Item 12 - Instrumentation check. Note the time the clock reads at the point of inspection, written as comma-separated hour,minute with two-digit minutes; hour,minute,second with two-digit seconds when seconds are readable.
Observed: 10,41
